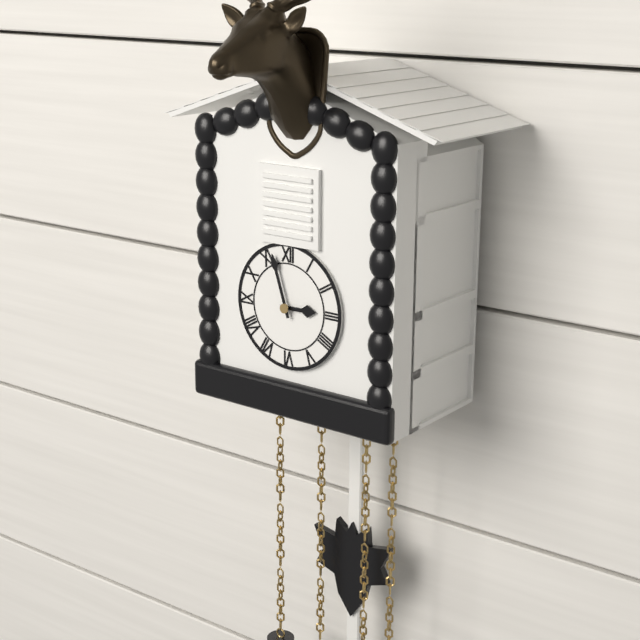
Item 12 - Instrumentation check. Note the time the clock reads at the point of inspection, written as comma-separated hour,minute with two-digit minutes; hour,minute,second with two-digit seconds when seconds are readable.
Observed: 2,57
